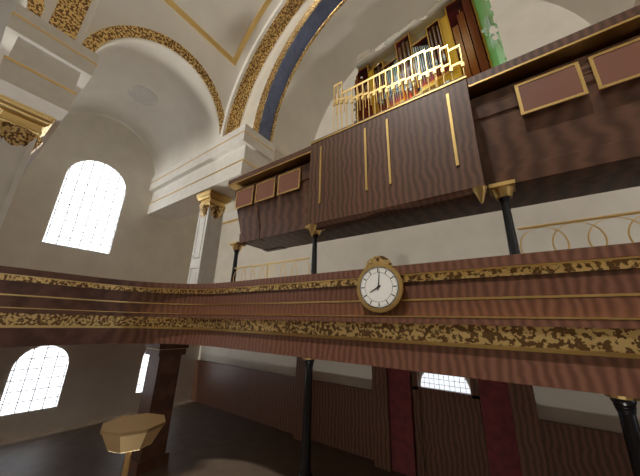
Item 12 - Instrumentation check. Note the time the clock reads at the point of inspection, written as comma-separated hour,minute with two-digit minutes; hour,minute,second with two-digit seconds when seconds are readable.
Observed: 8,01
